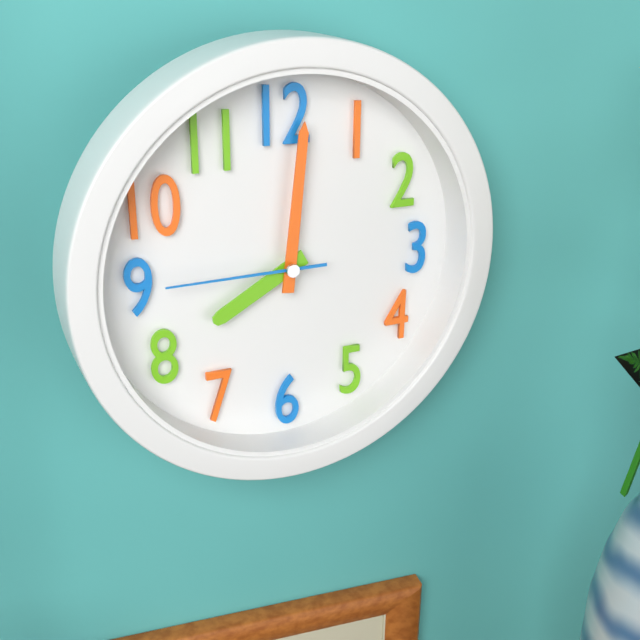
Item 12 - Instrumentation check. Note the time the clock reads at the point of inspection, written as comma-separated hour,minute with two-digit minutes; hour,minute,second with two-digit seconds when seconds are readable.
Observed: 8,01,45
